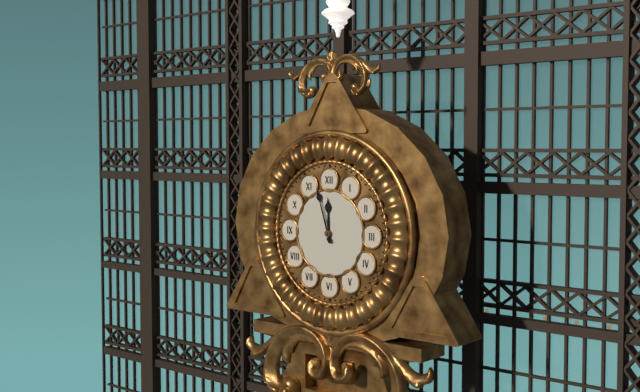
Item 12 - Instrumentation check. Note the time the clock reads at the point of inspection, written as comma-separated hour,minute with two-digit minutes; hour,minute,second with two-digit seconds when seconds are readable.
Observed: 11,57
